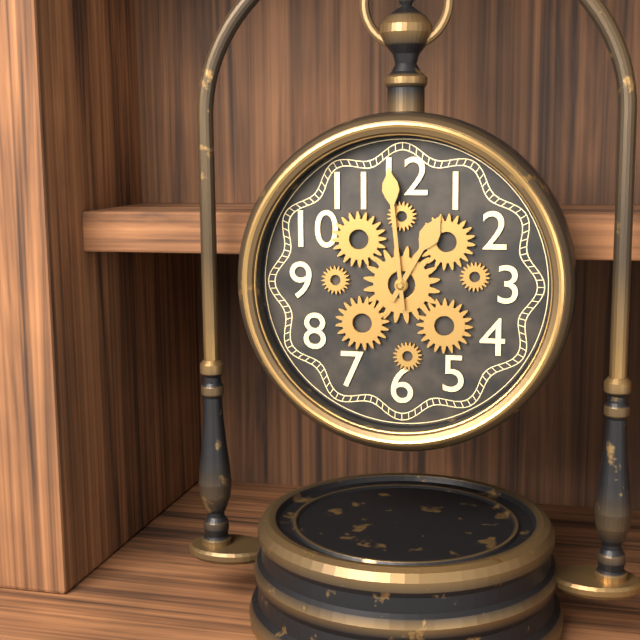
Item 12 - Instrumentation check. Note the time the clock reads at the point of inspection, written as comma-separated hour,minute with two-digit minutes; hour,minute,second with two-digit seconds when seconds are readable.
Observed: 12,59
